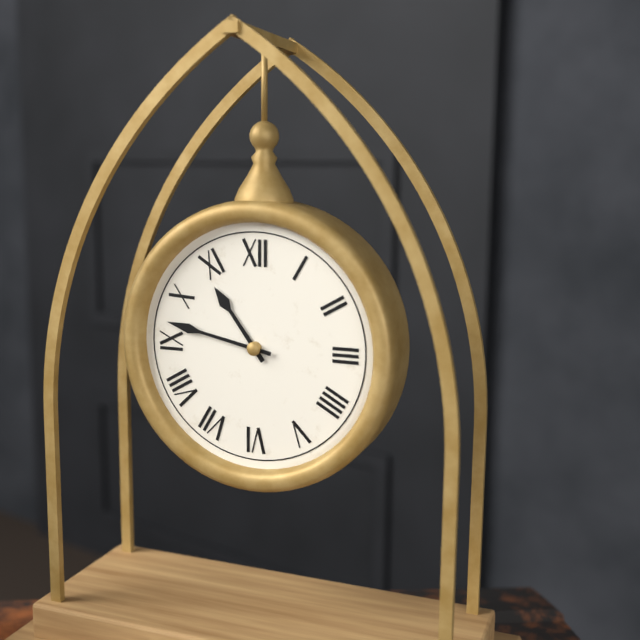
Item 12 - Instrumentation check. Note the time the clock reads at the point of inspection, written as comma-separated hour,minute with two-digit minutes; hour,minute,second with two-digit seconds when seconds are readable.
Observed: 10,47
